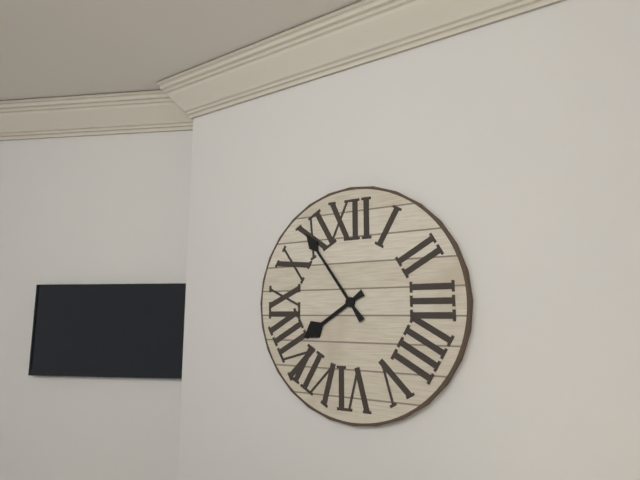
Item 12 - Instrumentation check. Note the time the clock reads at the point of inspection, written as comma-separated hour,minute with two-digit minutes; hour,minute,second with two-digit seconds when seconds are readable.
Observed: 7,54
